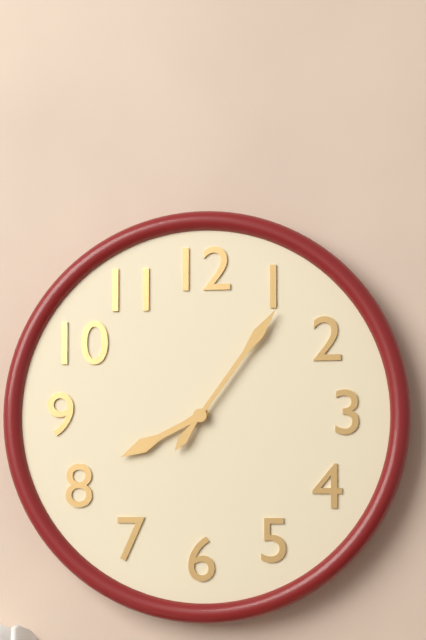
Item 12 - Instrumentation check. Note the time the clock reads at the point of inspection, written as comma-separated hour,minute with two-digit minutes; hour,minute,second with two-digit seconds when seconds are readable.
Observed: 8,06
